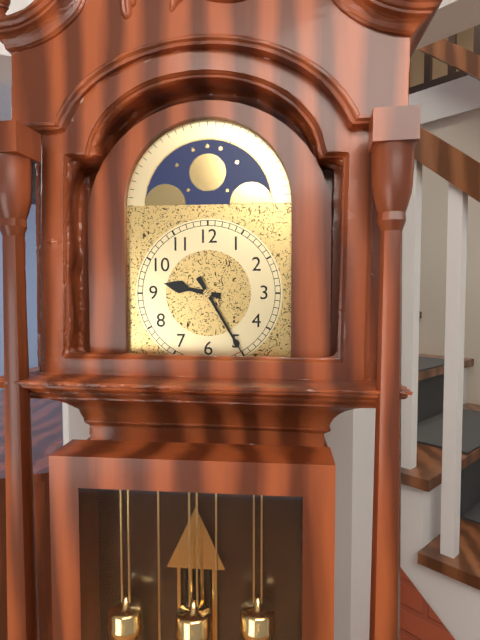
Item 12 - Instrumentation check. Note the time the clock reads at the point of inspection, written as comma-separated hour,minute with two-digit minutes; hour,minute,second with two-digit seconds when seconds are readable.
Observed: 9,25
